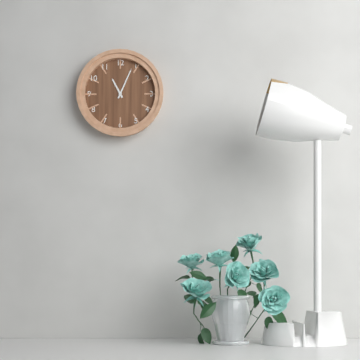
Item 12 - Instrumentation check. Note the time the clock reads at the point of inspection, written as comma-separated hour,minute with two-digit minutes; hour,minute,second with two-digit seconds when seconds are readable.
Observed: 11,04
